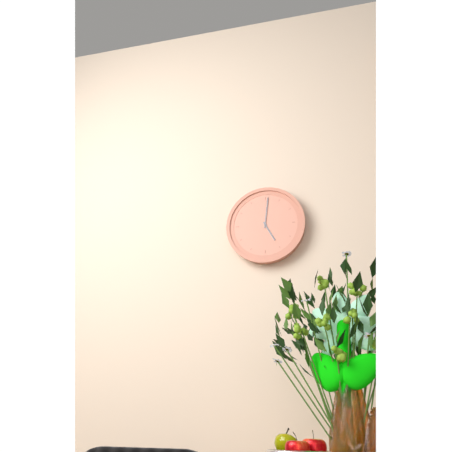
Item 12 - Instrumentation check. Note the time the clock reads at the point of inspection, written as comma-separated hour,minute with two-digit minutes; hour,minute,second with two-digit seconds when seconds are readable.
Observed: 5,01
